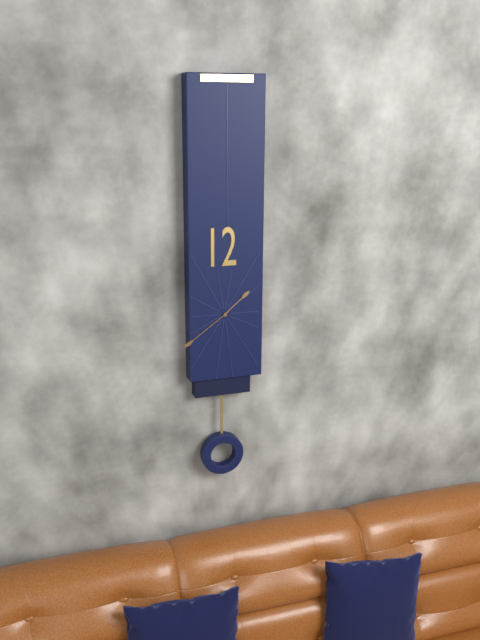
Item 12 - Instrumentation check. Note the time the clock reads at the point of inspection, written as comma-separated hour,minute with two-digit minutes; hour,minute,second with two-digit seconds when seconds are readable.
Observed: 1,39
